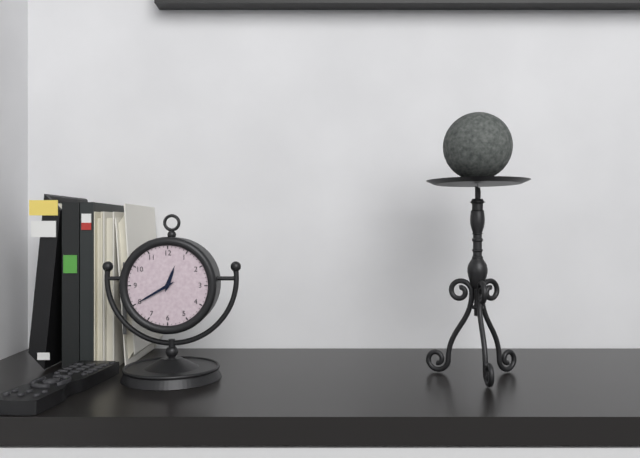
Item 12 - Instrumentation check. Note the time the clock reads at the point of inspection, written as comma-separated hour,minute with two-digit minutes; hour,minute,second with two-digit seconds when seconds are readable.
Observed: 12,40
